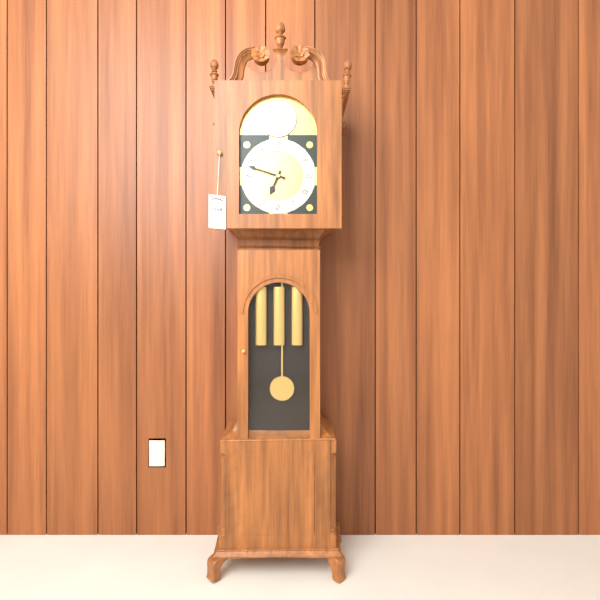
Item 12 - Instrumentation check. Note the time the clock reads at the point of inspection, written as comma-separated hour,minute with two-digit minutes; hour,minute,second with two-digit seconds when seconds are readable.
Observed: 6,48
